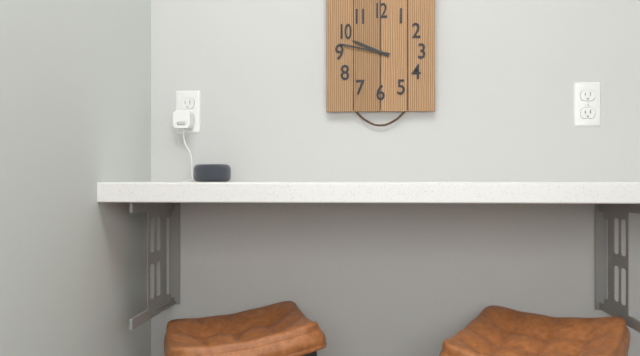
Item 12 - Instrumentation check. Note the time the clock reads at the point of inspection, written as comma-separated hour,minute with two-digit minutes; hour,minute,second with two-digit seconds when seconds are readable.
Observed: 9,47
